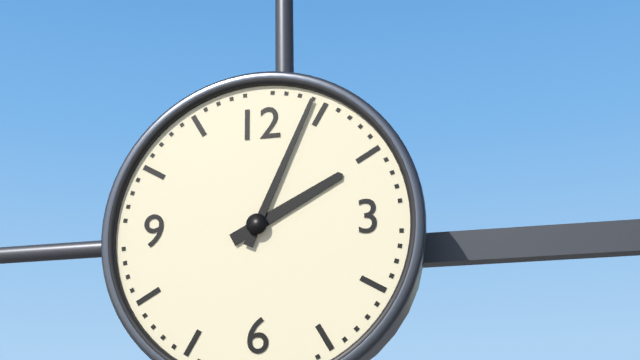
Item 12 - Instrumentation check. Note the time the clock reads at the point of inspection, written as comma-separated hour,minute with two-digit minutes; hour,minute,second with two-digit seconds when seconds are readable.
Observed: 2,04
